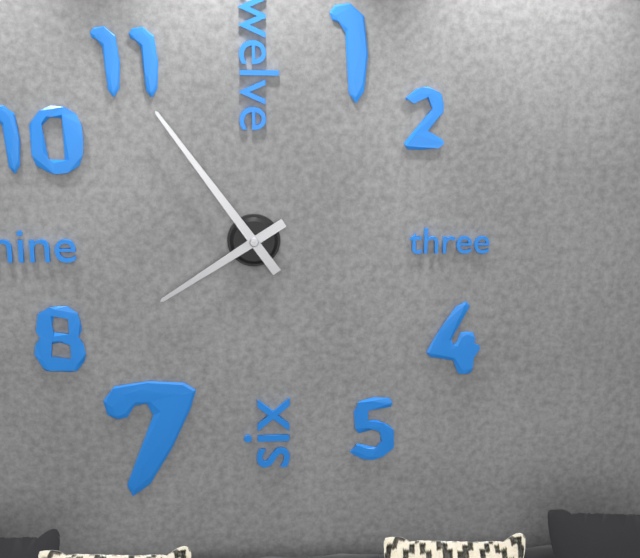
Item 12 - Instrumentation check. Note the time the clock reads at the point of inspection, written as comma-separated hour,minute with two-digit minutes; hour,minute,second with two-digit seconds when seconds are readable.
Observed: 7,54
